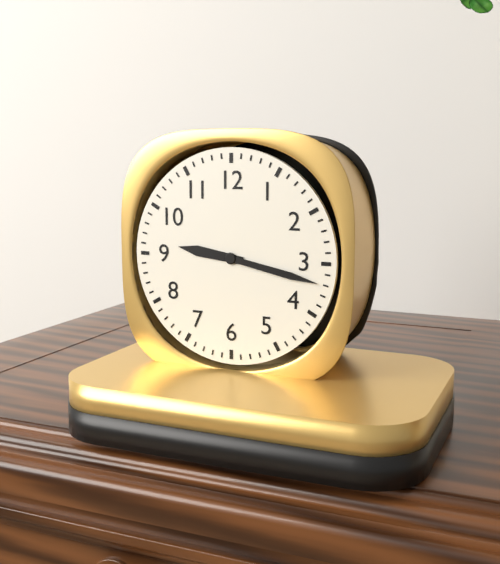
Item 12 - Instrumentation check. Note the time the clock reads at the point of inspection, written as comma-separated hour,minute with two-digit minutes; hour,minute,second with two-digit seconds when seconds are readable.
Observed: 9,17
